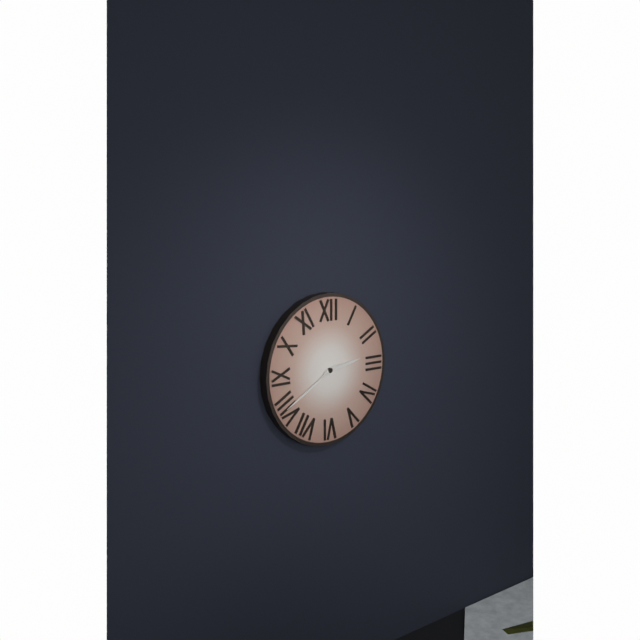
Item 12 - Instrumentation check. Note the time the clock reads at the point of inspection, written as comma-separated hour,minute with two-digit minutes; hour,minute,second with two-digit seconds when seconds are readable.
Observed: 2,40
